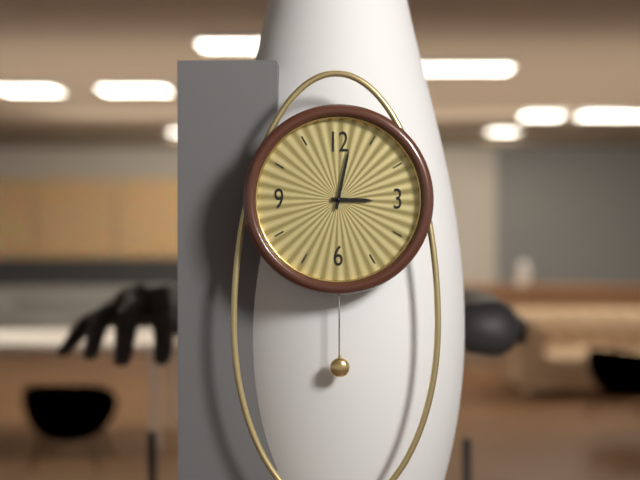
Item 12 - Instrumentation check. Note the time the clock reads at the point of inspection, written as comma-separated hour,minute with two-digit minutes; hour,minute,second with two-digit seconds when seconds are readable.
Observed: 3,02
